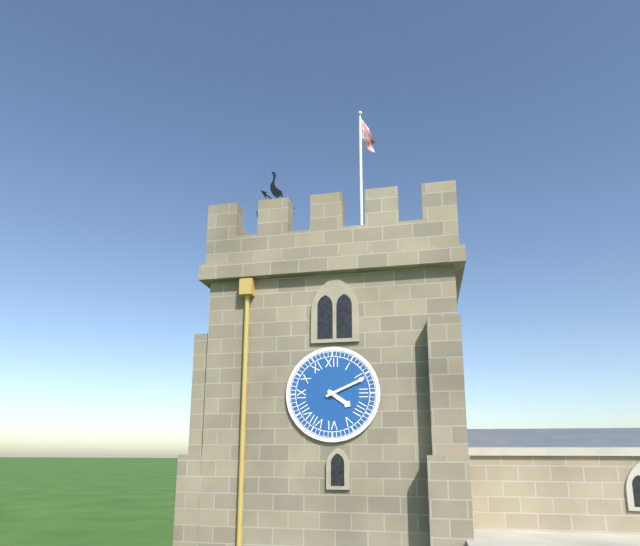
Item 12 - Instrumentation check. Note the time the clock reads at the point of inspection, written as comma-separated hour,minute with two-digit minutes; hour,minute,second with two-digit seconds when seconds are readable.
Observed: 4,11
